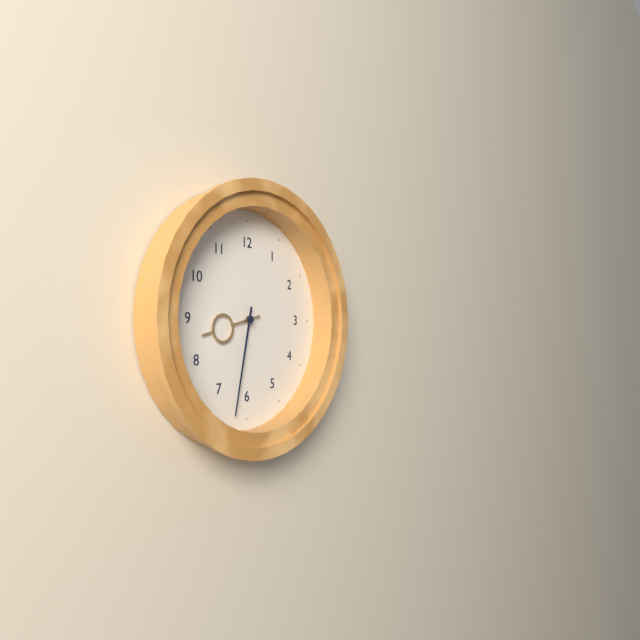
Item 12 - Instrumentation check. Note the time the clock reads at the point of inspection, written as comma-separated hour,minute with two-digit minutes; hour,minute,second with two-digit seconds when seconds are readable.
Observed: 8,32
